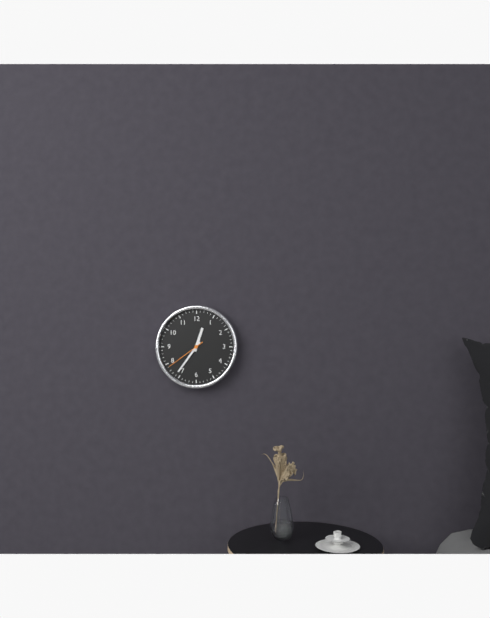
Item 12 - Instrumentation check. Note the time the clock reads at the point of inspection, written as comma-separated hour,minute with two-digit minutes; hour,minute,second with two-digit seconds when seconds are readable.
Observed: 12,36
